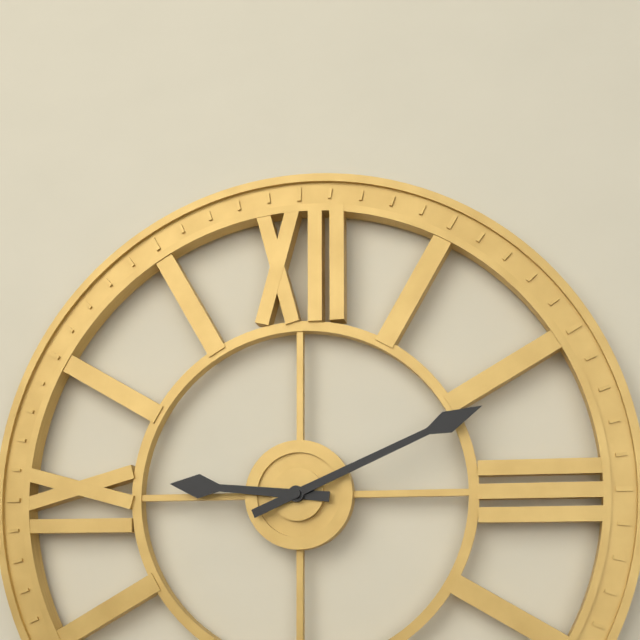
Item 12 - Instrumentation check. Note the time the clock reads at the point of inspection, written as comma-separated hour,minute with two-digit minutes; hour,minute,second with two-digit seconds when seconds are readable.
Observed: 9,11
